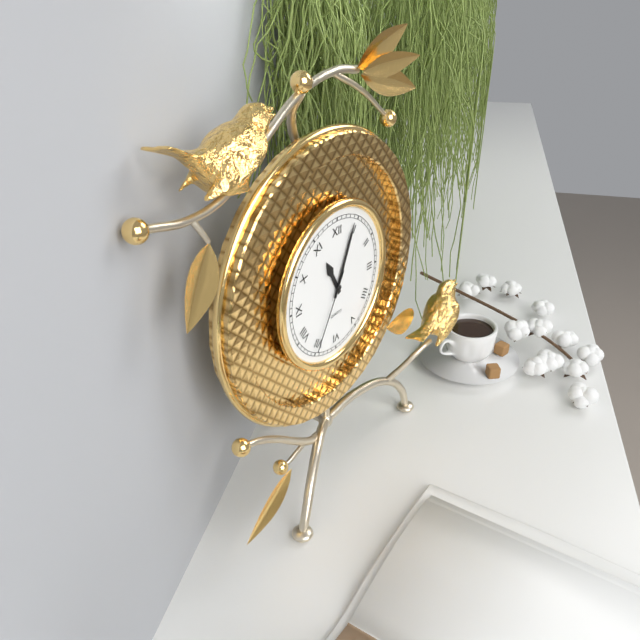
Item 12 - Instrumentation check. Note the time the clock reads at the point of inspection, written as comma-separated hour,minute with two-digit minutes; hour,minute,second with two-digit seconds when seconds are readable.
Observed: 11,04,35
